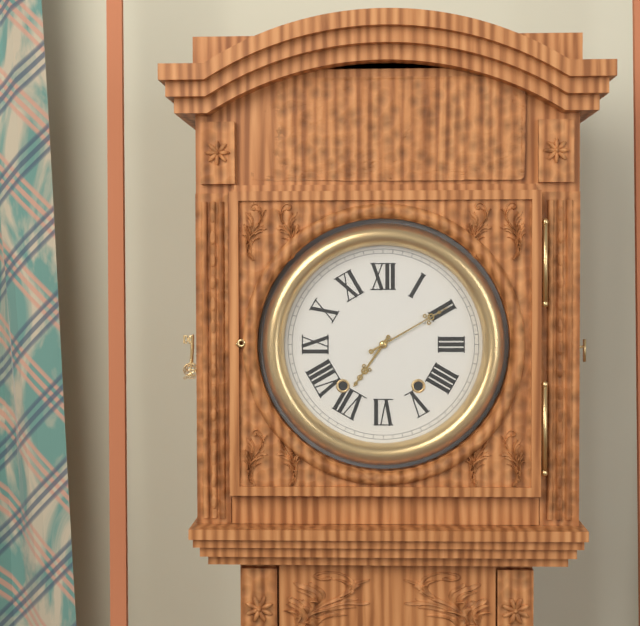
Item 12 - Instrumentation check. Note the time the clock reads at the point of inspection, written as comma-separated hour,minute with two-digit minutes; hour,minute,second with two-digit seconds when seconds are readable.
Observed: 7,10
